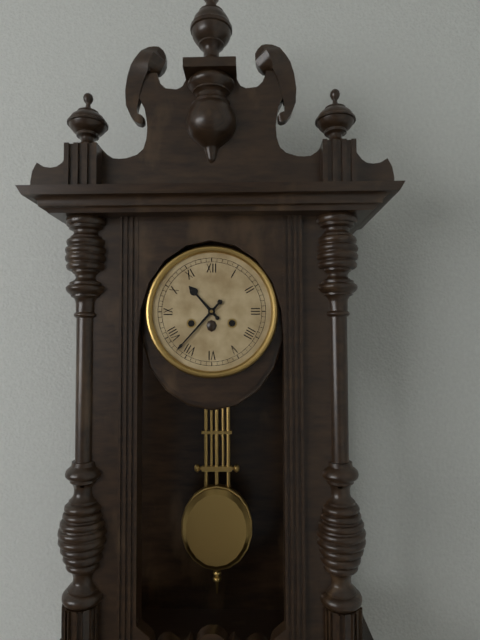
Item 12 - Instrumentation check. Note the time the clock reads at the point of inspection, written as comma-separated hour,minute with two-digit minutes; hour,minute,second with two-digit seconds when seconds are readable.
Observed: 10,37
